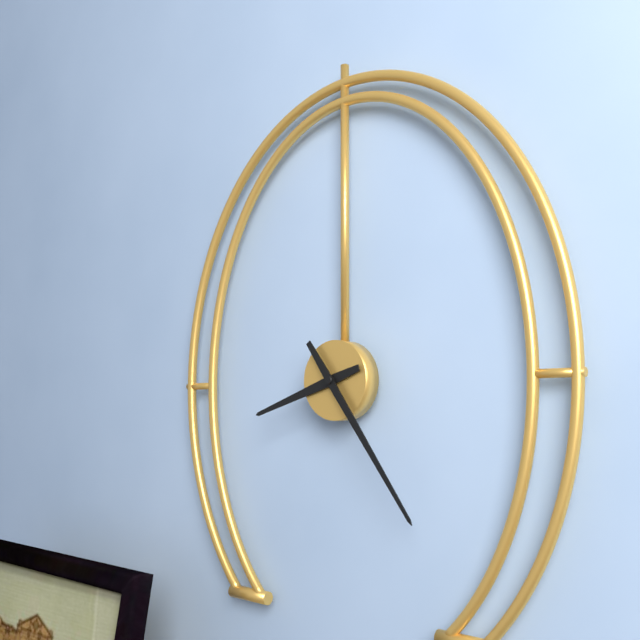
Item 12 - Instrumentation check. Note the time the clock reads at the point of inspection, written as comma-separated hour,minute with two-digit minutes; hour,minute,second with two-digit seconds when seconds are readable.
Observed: 8,24
